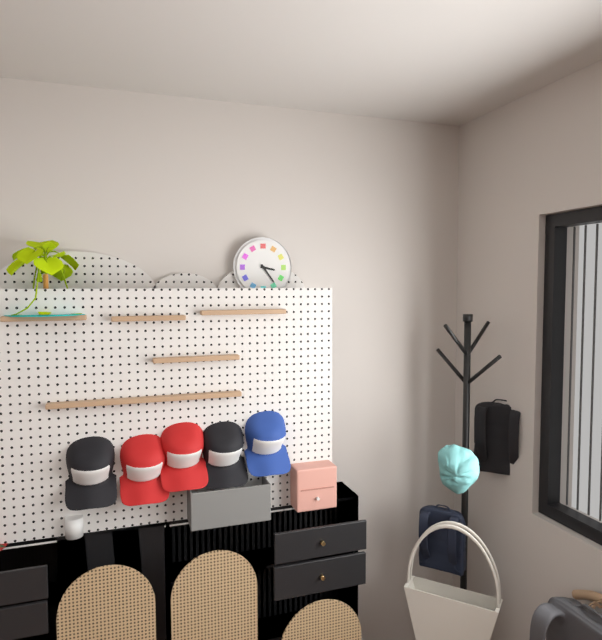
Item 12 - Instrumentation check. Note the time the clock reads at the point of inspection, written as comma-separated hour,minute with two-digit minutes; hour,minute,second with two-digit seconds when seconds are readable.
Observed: 3,24
